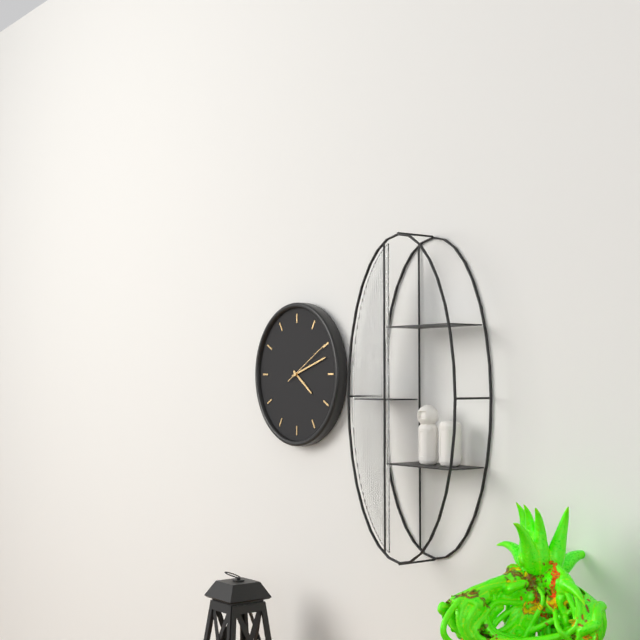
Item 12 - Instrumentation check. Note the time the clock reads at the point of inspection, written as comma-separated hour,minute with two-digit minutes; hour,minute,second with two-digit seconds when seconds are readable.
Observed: 4,12,10
